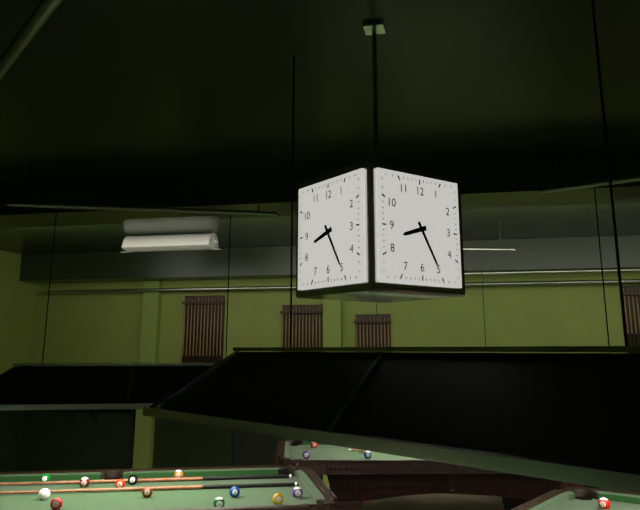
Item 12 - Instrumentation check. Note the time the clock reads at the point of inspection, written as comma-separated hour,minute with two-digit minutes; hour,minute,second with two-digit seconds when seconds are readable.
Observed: 8,25
